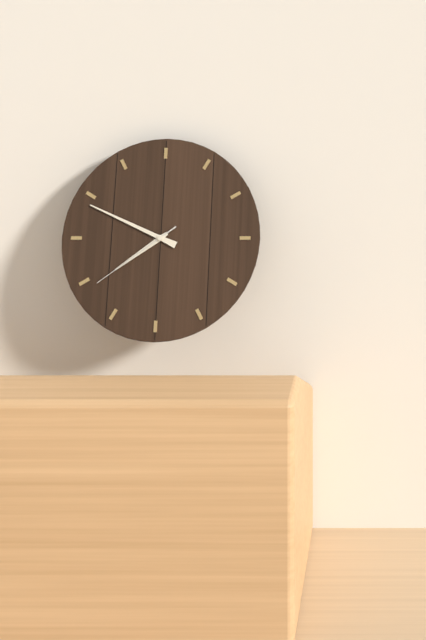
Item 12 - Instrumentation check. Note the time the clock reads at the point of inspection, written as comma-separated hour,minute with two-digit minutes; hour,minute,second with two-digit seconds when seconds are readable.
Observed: 7,49,39
